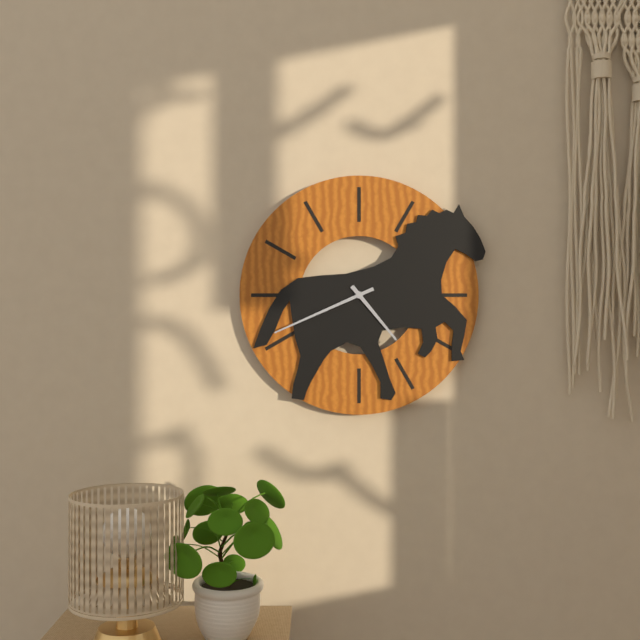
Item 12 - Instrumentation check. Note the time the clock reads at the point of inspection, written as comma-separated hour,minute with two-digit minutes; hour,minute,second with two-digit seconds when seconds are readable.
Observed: 4,41
